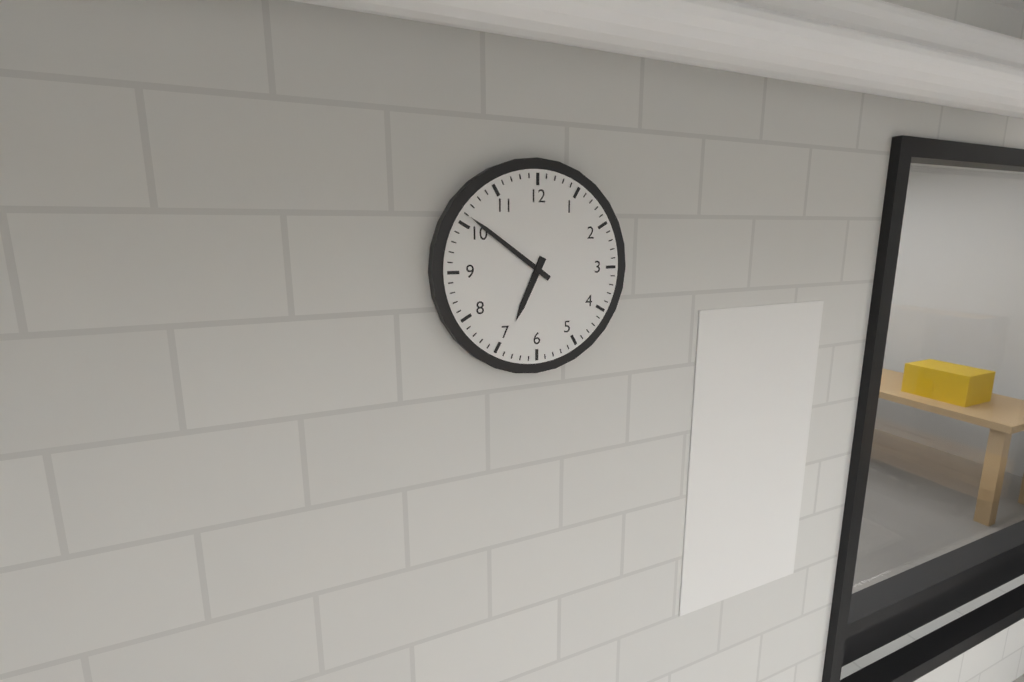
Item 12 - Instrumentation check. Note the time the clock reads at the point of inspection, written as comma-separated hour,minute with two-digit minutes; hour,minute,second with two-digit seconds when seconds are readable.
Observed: 6,51
